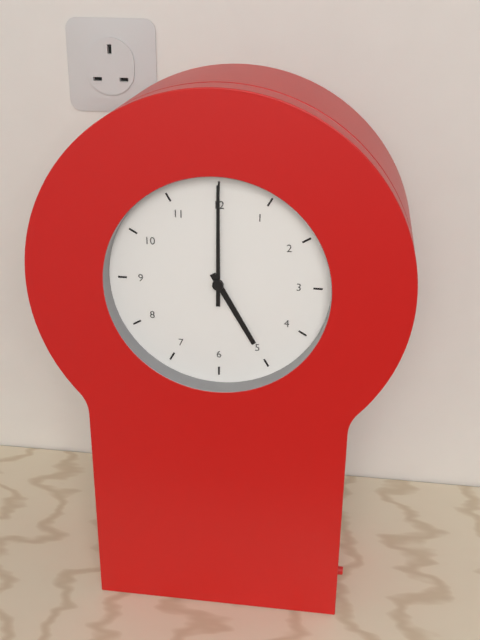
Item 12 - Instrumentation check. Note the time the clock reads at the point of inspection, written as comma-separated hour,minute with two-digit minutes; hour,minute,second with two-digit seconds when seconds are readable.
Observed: 5,00
